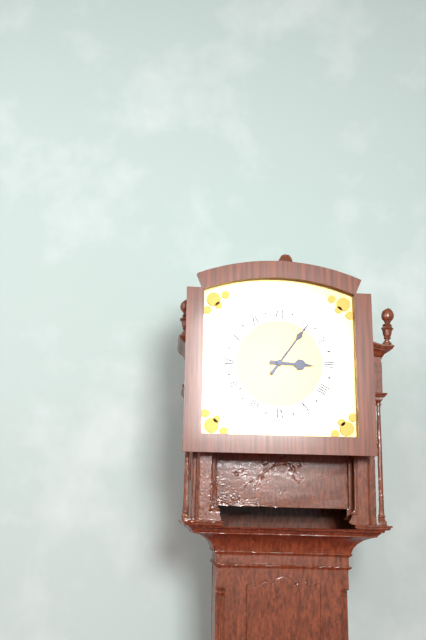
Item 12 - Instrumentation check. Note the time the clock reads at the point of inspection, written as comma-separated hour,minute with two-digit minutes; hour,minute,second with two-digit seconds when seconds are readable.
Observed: 3,06
